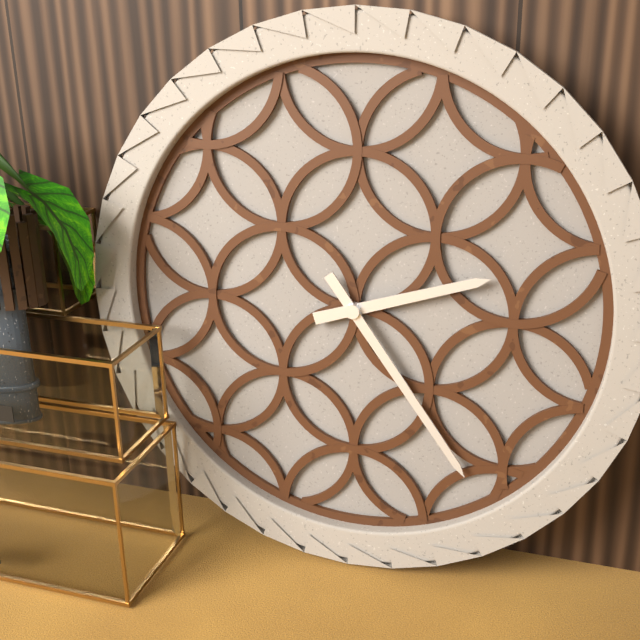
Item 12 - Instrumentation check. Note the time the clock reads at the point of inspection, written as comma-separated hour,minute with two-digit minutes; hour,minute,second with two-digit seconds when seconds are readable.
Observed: 2,24
